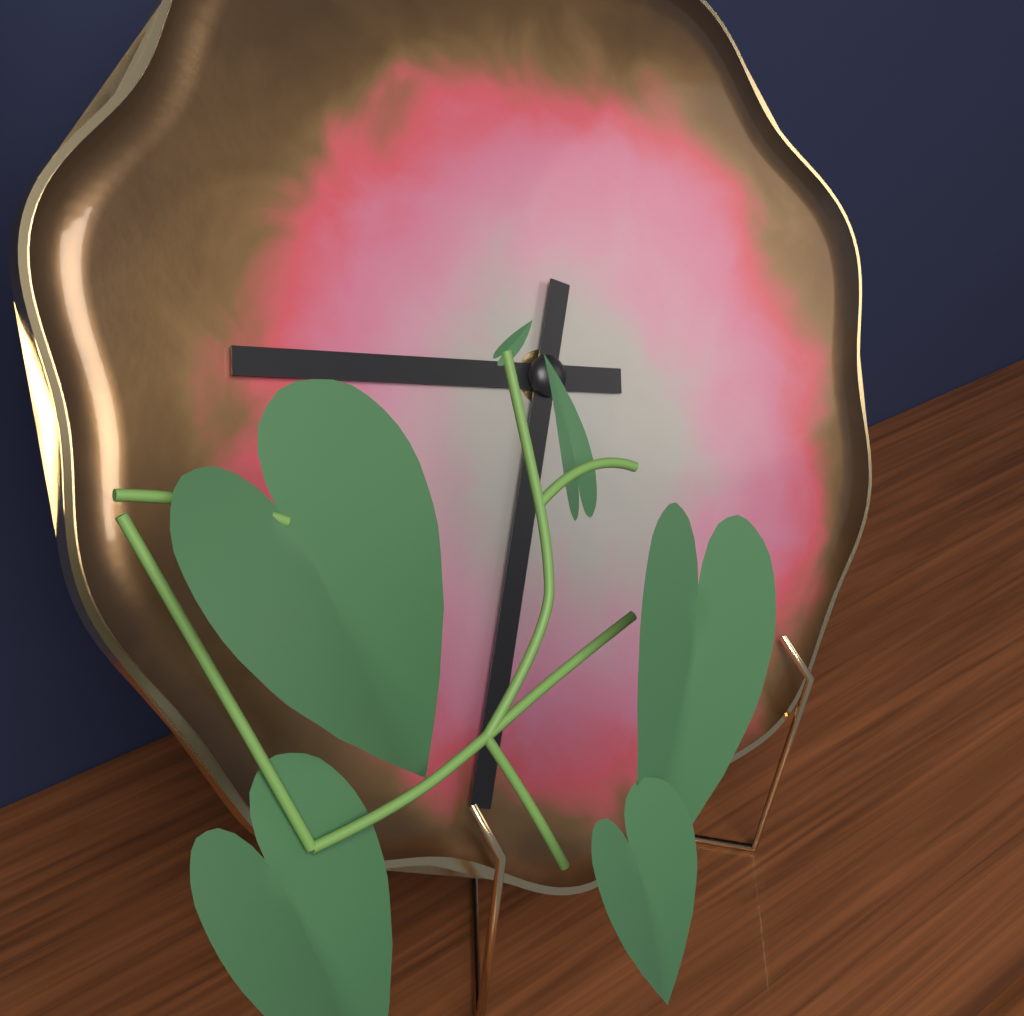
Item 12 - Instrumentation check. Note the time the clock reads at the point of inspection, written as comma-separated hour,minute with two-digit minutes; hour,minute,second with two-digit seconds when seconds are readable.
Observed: 9,35
